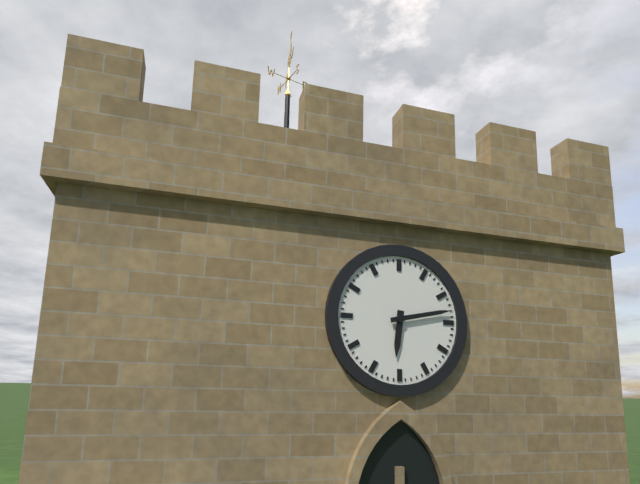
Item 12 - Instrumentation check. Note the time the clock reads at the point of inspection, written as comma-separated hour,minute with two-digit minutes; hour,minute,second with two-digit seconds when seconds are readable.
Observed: 6,13
